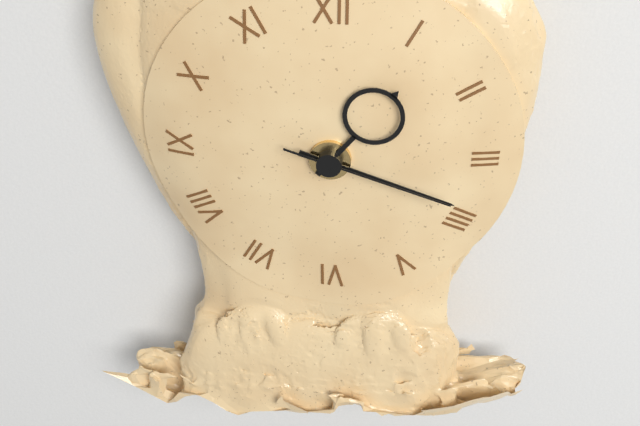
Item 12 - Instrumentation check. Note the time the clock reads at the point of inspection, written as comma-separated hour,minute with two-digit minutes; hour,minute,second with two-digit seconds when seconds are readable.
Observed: 1,18,18
